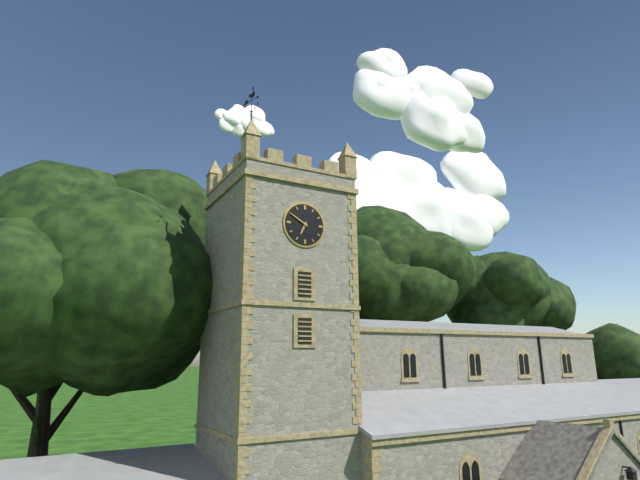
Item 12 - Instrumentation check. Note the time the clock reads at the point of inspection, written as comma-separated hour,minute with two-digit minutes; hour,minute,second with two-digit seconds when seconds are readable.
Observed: 6,50
